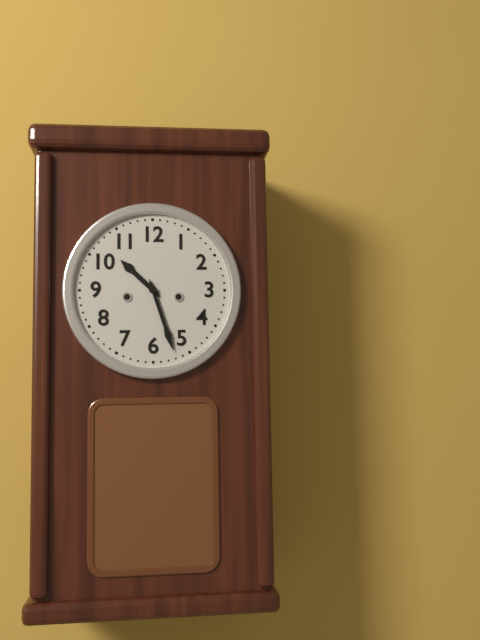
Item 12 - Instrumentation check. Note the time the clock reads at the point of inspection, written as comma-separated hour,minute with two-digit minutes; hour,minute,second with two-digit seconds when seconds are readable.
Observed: 10,27
